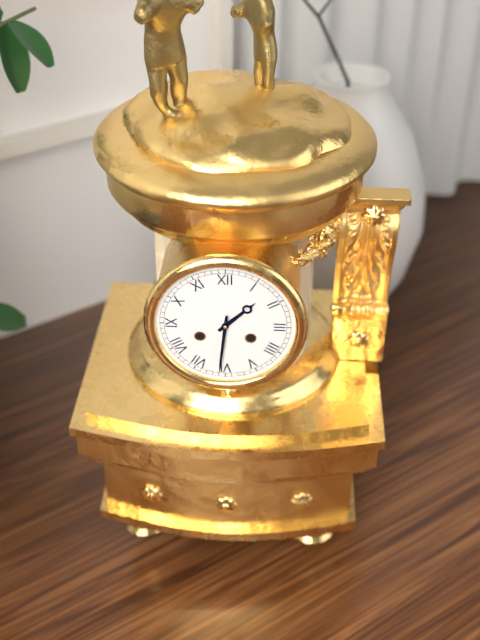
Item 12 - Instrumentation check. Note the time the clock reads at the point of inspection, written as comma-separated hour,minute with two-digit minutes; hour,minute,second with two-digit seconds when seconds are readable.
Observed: 1,31
